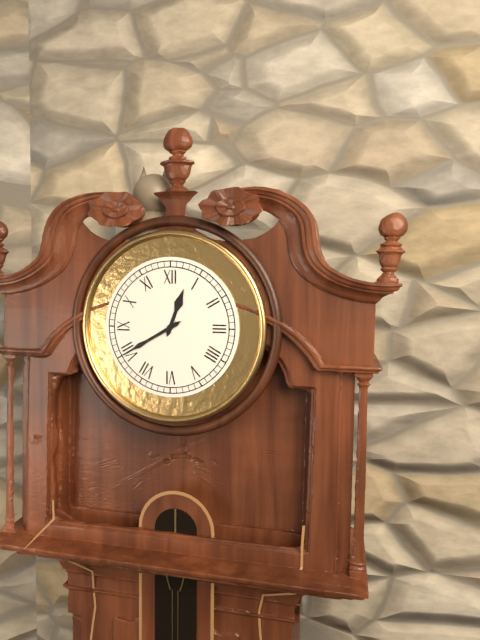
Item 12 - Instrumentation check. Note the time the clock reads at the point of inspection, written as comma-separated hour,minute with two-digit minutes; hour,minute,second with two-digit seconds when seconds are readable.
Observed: 12,40
